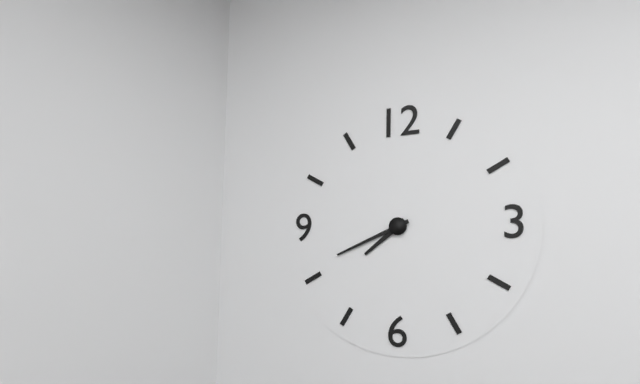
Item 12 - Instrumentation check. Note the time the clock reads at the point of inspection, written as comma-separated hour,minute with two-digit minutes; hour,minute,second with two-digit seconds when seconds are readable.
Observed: 7,41
